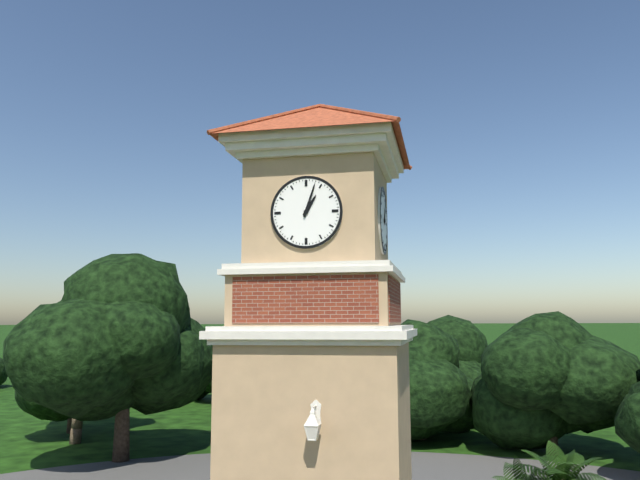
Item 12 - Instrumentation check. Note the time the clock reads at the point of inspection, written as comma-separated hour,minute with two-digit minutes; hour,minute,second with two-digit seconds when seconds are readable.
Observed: 1,03
